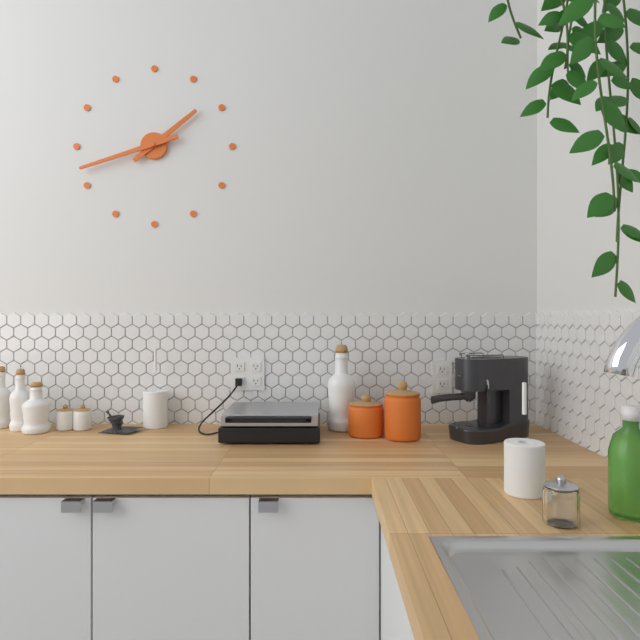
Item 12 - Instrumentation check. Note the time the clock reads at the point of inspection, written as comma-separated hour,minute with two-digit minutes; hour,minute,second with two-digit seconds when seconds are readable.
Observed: 1,42
